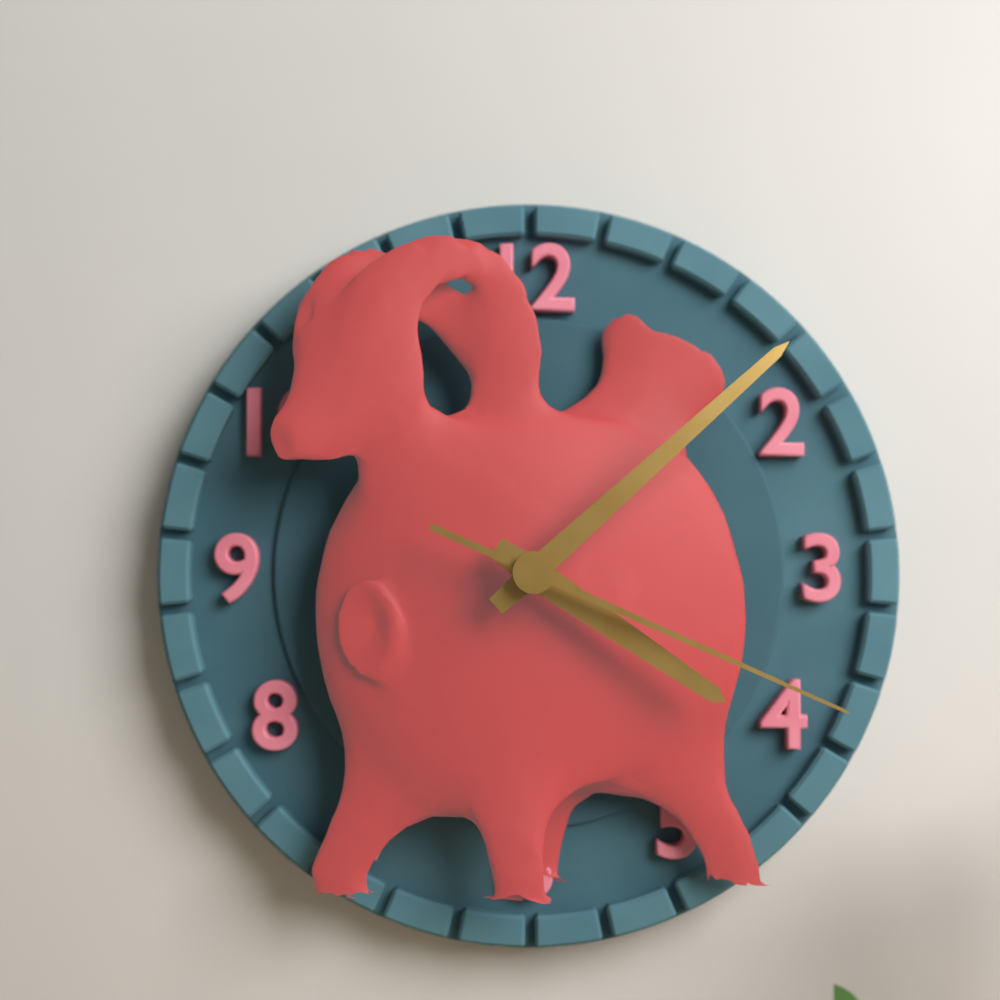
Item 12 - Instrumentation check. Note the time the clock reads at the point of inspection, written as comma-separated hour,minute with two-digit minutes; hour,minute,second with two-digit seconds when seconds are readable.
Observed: 4,08,19
